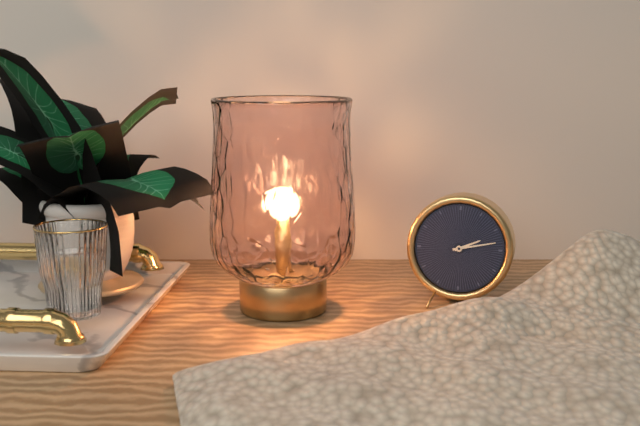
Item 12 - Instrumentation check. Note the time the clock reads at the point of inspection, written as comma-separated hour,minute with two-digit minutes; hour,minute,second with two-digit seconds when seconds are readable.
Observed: 2,13
